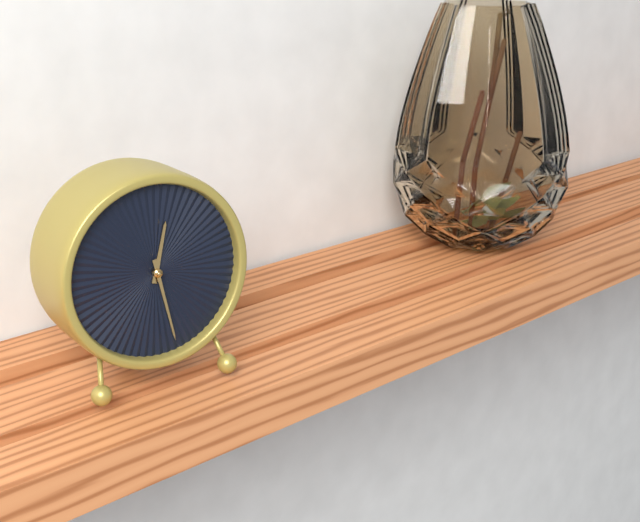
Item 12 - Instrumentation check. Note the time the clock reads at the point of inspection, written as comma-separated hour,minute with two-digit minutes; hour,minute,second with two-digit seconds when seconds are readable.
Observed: 12,28
